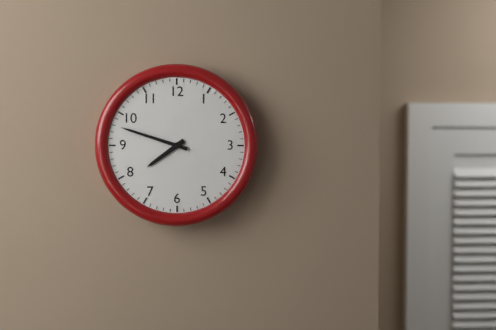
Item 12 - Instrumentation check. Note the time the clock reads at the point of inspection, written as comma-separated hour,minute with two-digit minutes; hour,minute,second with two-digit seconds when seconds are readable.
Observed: 7,48
